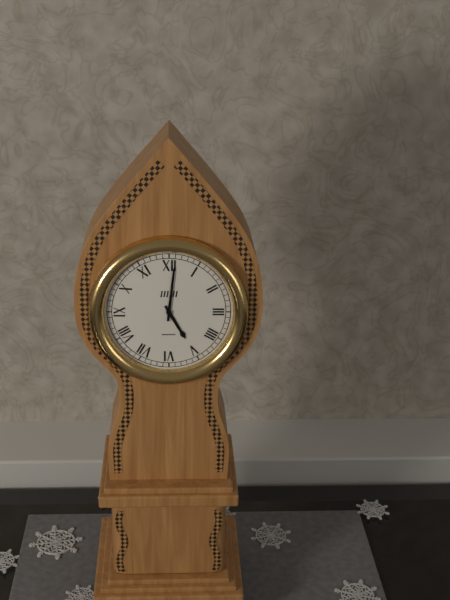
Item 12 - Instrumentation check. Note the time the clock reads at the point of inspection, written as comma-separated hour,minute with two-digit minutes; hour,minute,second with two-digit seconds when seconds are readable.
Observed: 5,01
